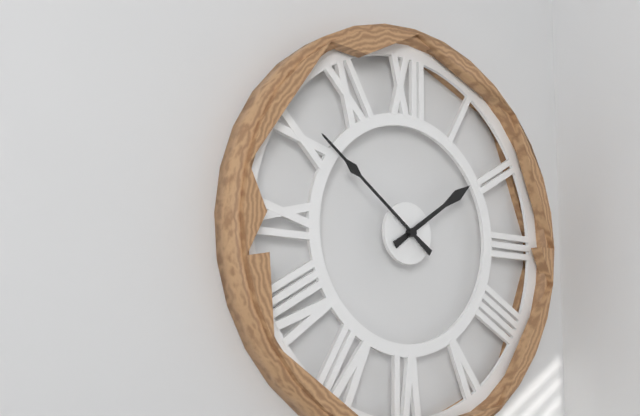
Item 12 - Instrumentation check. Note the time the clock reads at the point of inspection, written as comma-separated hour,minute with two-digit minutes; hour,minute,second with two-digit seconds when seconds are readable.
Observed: 1,51
